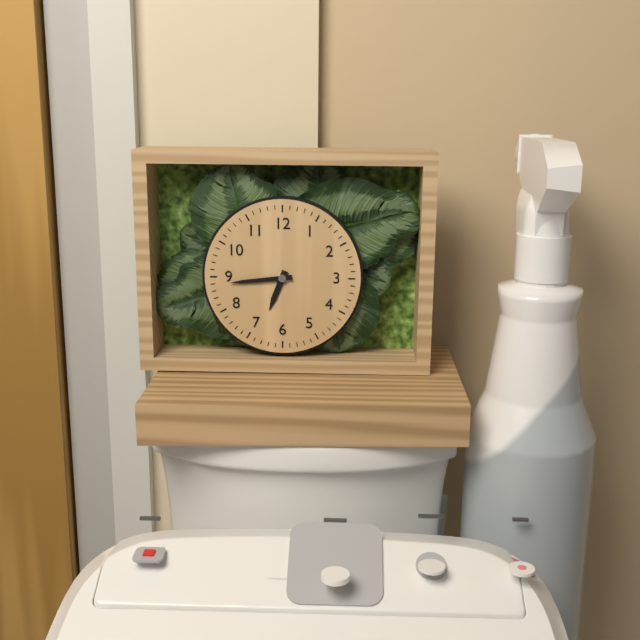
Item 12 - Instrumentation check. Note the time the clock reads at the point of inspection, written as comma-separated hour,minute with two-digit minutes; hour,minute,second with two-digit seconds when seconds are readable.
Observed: 6,44
